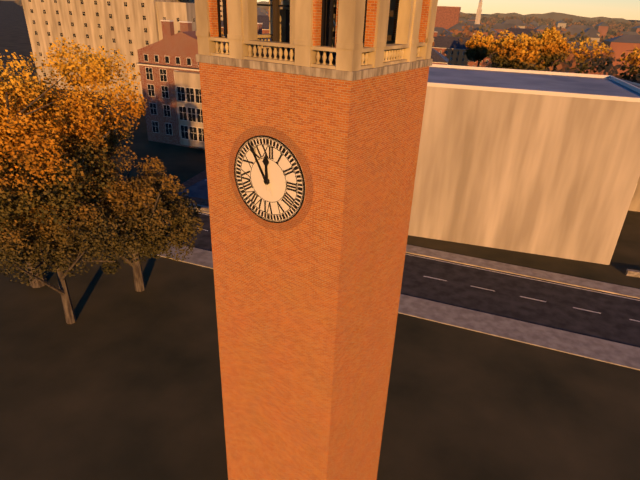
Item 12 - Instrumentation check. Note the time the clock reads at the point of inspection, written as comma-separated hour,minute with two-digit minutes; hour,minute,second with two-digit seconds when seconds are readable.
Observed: 11,55
